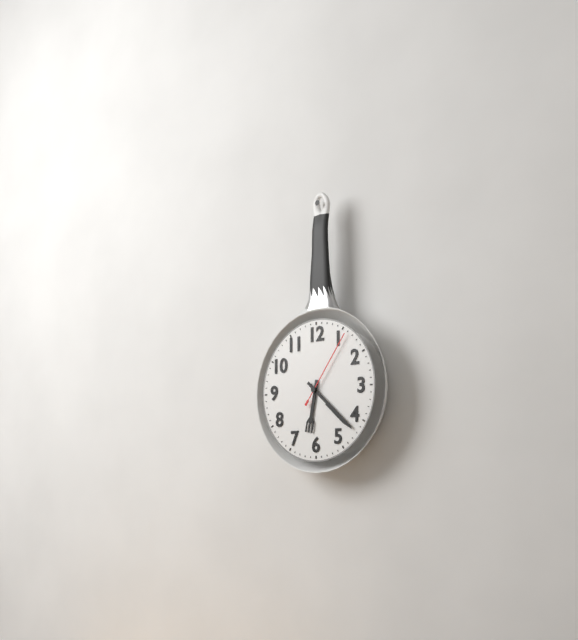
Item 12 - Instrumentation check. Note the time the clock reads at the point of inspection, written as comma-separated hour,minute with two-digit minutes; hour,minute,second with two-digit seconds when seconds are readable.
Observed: 6,22,06
